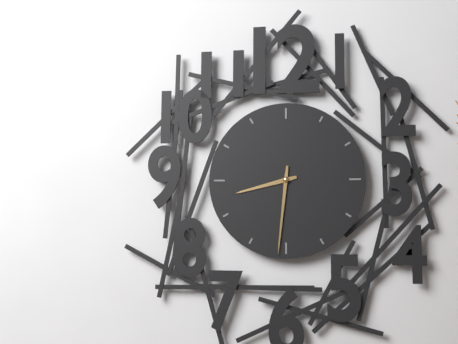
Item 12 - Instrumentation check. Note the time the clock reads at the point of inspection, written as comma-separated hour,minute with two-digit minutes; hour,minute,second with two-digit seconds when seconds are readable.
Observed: 8,31
